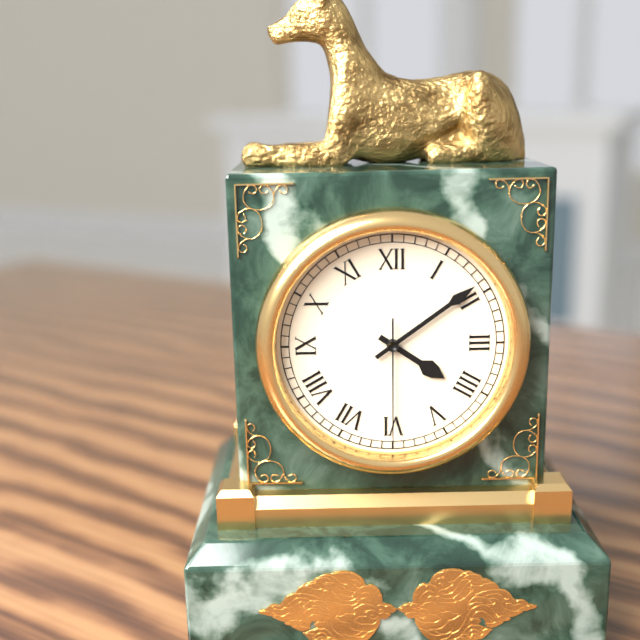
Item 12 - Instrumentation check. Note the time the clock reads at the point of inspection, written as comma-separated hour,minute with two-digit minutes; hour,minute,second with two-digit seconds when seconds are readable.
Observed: 4,09,30
